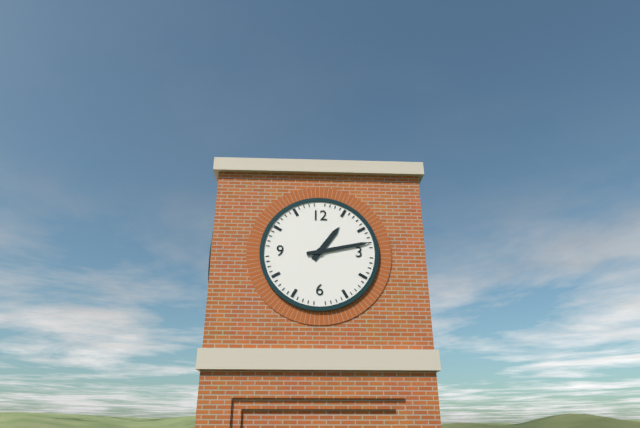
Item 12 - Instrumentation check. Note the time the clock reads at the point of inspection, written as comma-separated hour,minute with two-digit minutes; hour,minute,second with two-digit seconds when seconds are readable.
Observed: 1,13
